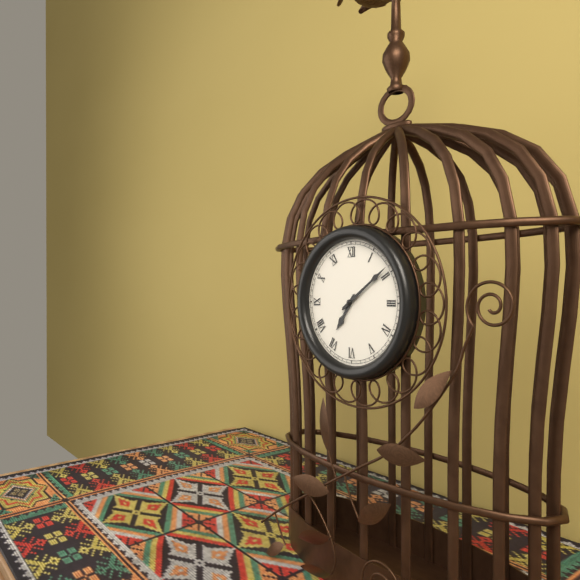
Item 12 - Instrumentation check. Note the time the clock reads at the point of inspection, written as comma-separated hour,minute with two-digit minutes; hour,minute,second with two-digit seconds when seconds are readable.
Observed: 7,09
